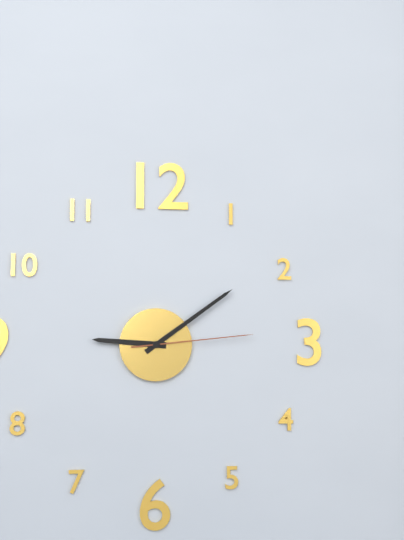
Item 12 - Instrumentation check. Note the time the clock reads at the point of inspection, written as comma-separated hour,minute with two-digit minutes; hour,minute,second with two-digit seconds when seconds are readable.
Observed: 9,09,14
